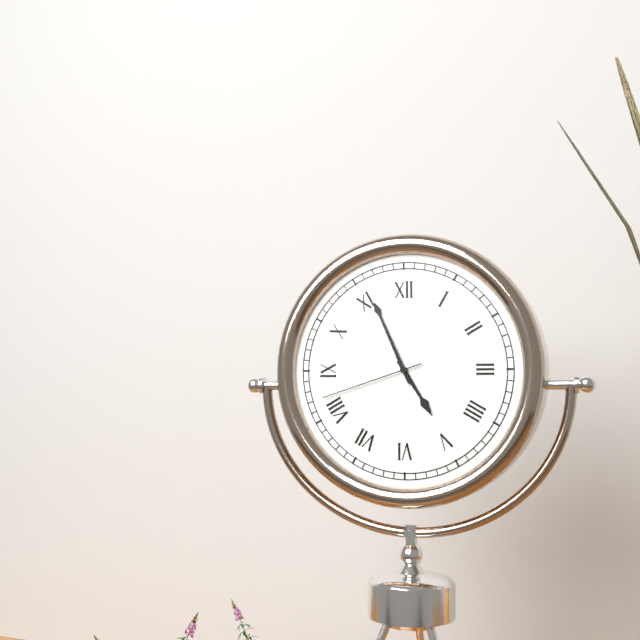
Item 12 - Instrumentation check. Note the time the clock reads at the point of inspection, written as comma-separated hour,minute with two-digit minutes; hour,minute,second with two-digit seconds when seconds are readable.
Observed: 4,56,42
